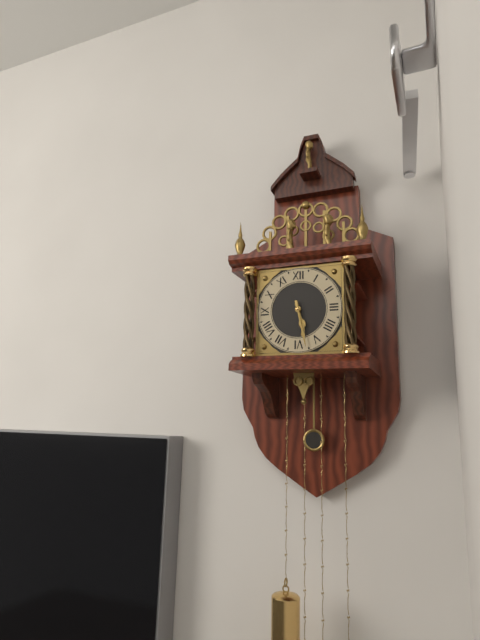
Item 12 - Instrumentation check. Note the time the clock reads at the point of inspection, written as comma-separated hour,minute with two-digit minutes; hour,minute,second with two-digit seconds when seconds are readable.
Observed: 5,28
